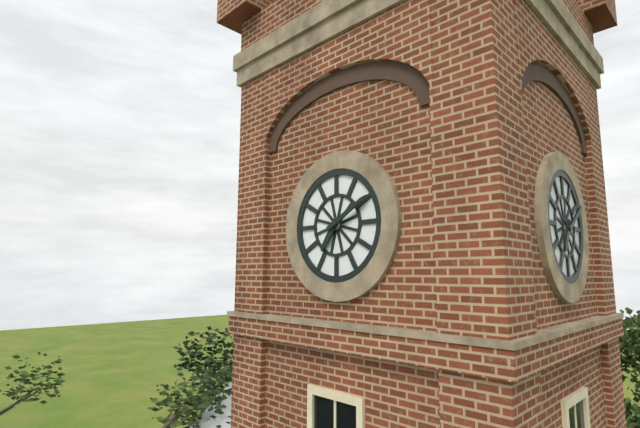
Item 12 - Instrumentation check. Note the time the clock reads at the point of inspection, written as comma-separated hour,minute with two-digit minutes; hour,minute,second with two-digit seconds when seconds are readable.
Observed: 7,10
